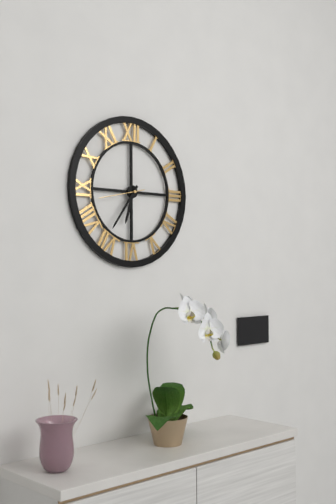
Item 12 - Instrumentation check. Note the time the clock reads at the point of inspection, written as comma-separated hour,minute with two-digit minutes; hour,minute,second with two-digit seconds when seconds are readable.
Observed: 6,36
